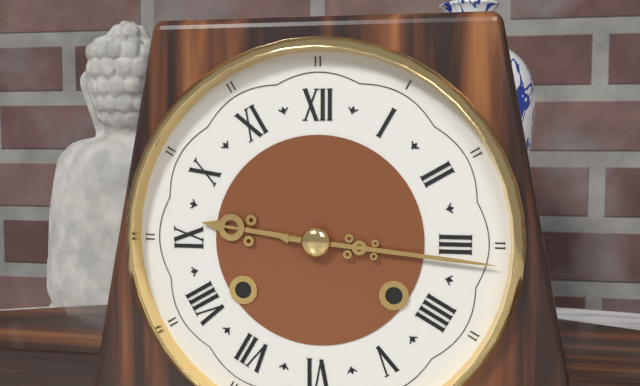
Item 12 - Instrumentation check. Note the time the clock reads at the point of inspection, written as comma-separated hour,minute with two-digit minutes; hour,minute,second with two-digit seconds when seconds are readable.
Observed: 9,16
